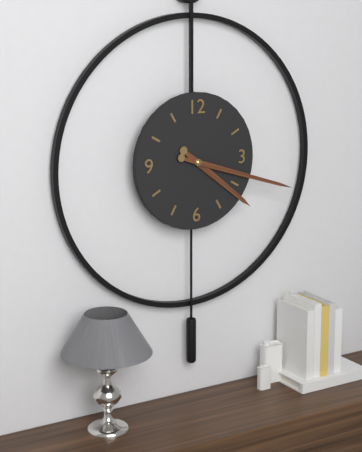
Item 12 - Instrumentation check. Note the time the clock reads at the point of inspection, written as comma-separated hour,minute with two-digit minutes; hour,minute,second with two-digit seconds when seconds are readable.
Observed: 4,18
